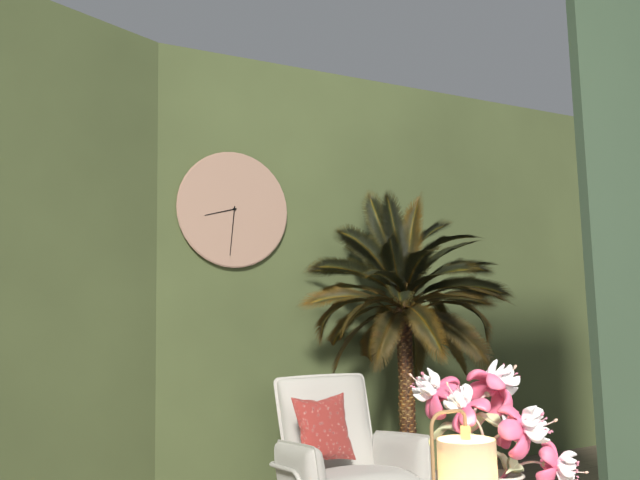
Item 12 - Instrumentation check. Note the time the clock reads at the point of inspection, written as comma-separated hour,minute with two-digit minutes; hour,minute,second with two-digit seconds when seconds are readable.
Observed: 8,31
